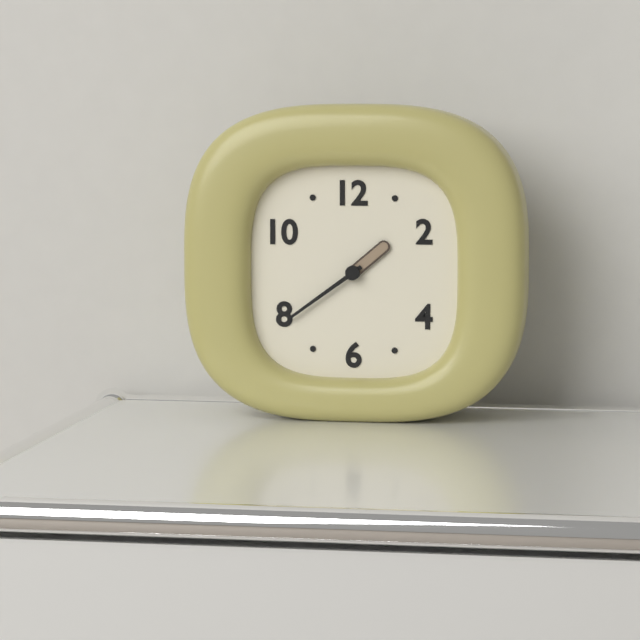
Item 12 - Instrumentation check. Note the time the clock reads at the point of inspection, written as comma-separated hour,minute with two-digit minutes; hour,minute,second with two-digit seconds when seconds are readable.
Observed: 1,39
